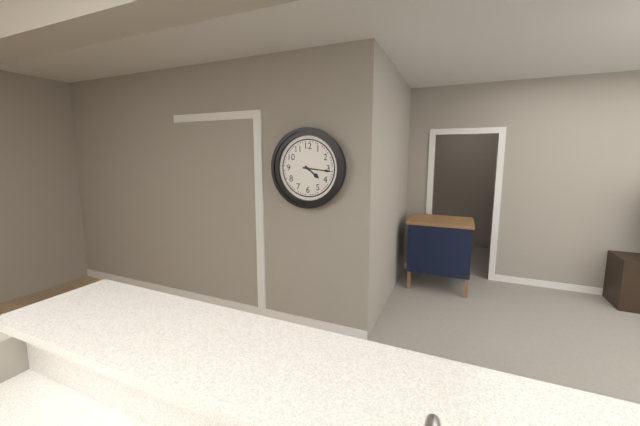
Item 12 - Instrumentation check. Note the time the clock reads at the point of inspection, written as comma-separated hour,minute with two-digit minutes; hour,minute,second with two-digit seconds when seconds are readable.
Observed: 4,16
